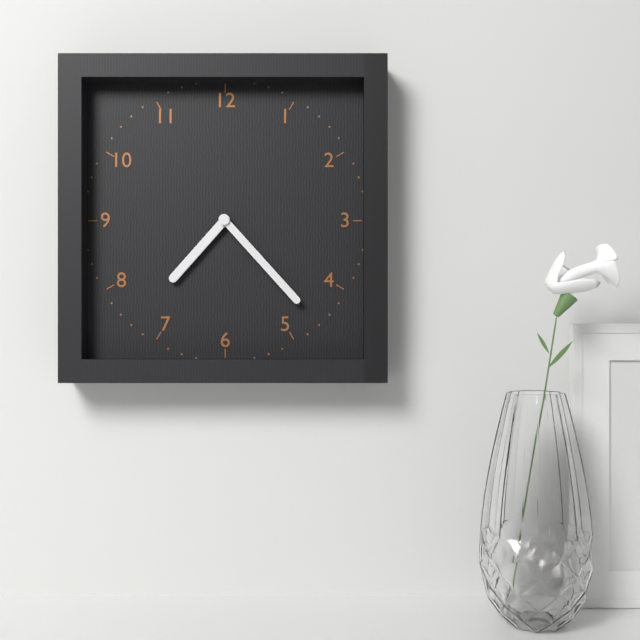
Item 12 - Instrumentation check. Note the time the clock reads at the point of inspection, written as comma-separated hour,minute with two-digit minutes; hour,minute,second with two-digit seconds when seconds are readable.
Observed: 7,23
